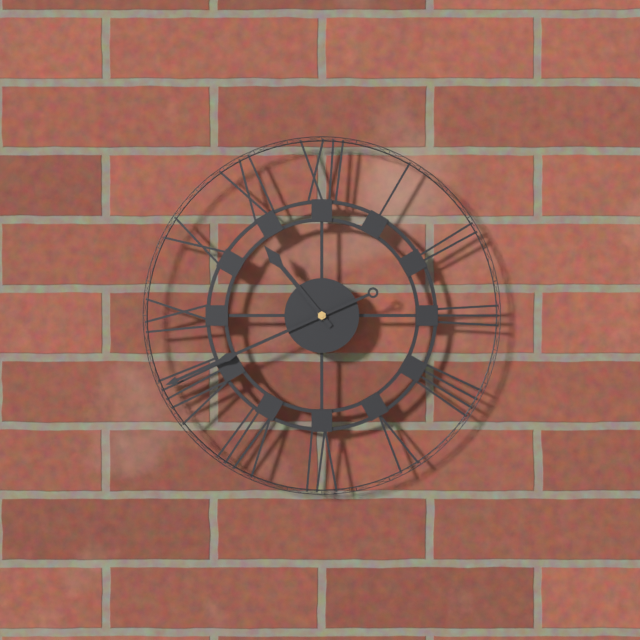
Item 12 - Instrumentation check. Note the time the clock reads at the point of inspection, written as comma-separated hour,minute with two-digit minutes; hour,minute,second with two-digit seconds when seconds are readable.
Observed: 10,41
